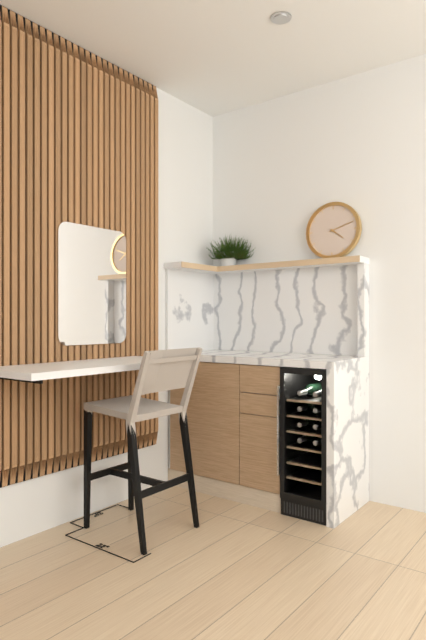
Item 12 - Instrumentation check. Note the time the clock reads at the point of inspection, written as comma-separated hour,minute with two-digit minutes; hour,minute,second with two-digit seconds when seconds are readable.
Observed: 4,12
